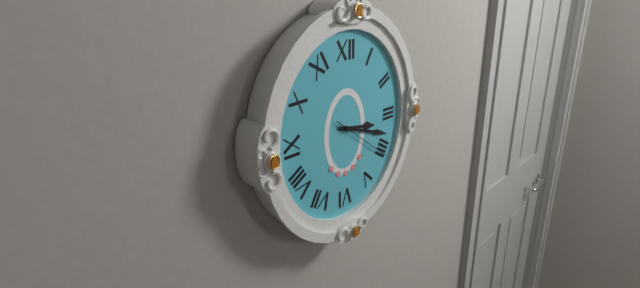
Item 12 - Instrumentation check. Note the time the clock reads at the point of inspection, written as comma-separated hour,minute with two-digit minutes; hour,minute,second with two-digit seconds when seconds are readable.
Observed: 3,18,21
